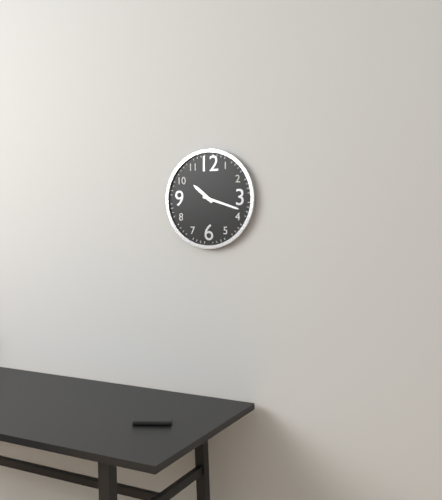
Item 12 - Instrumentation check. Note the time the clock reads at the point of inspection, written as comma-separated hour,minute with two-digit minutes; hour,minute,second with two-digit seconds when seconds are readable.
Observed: 10,18
